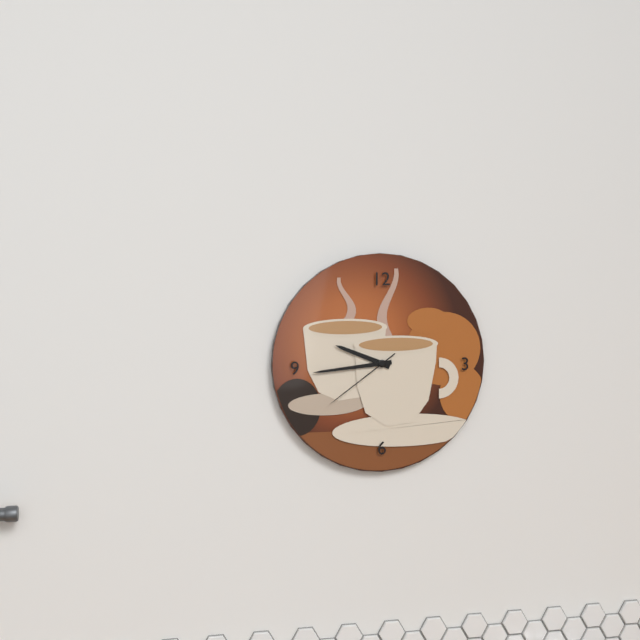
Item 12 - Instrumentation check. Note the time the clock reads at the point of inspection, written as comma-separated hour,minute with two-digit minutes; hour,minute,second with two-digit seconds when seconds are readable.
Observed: 9,44,39
